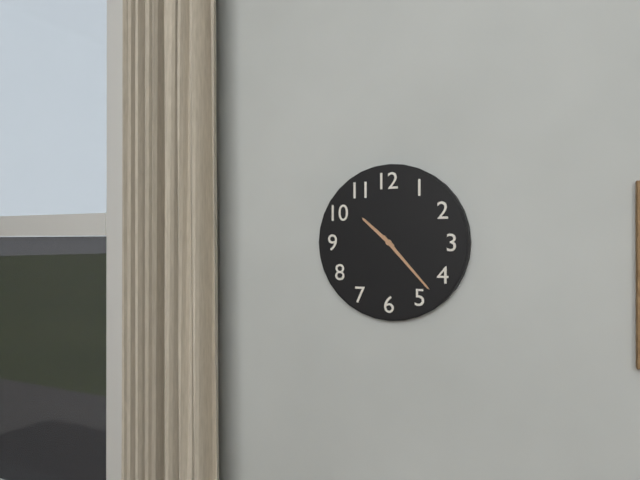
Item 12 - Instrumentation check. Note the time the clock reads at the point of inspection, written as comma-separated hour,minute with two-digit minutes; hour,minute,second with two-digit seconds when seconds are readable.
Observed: 10,23
